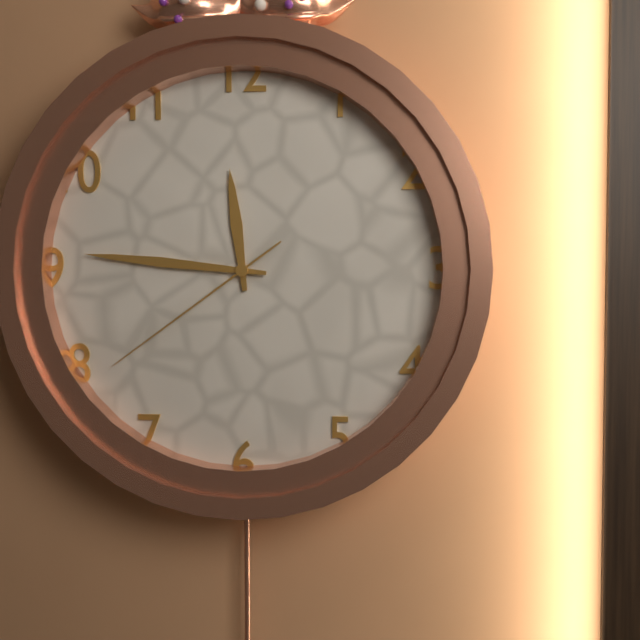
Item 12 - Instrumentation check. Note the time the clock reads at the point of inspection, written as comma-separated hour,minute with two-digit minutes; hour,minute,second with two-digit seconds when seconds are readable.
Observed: 11,46,39
